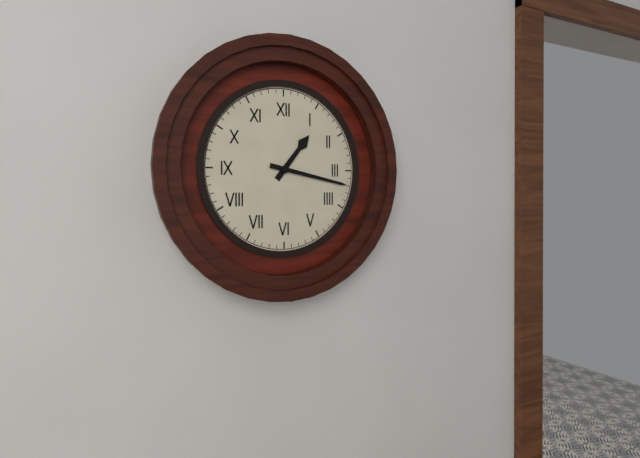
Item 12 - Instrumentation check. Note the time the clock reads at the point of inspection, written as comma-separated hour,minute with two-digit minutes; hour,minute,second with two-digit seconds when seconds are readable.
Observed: 1,17
